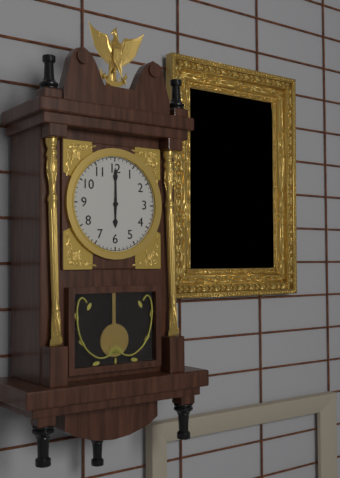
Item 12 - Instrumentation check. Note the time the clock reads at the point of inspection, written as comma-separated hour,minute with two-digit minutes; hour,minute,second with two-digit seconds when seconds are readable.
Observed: 6,00
